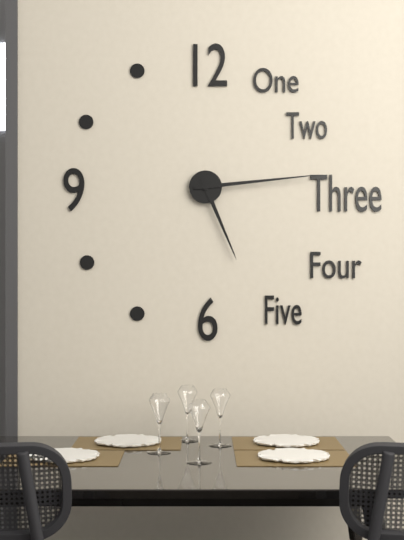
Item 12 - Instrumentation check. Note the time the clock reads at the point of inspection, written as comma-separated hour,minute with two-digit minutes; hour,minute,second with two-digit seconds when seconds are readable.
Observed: 5,14
